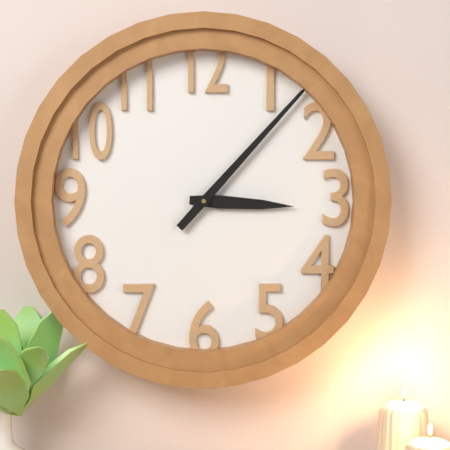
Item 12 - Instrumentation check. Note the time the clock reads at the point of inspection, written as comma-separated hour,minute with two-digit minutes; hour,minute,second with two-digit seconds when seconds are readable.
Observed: 3,07
